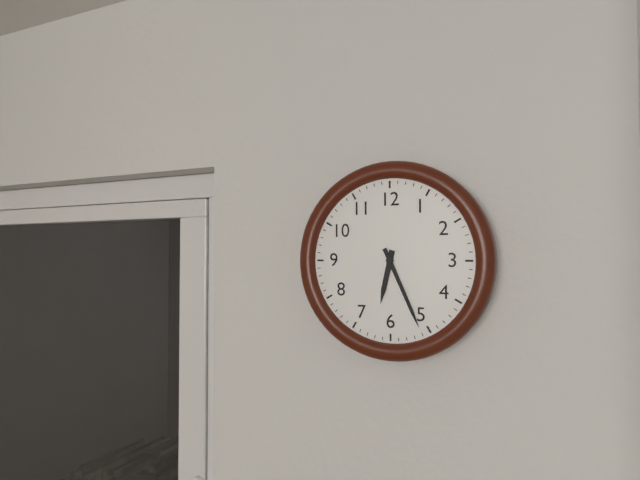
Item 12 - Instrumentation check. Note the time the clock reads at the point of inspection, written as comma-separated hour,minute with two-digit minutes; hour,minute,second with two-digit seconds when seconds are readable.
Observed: 6,26
